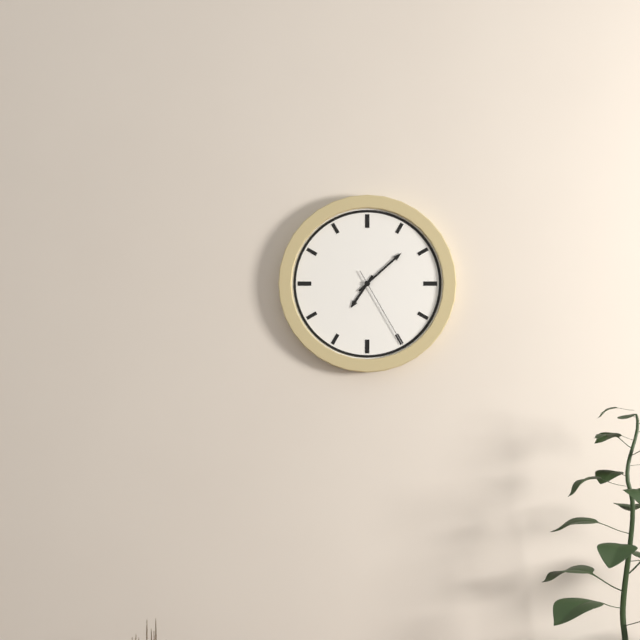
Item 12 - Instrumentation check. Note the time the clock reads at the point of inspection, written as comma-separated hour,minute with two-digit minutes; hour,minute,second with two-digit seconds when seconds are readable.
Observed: 7,08,25
